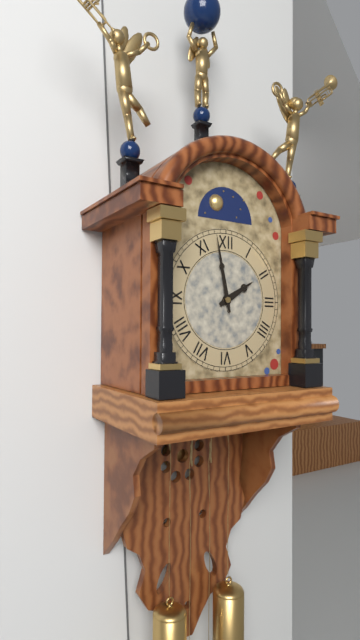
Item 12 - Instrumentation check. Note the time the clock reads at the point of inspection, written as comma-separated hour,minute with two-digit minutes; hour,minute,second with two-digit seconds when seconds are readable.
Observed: 1,58
